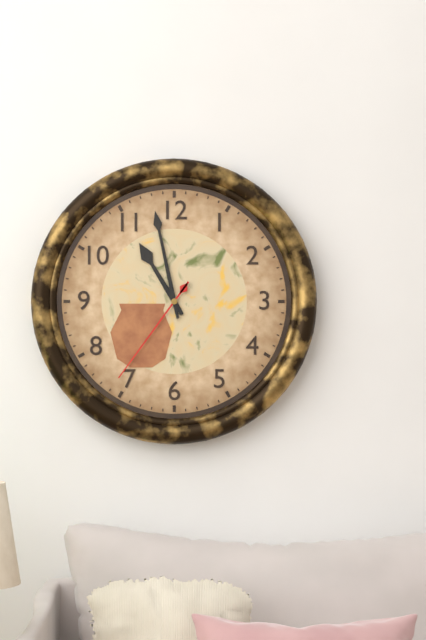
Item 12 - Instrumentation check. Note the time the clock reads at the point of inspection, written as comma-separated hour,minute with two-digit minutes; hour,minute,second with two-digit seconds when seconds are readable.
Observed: 10,58,36
